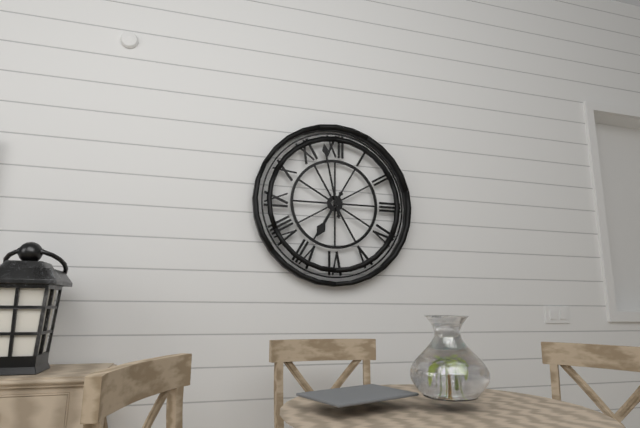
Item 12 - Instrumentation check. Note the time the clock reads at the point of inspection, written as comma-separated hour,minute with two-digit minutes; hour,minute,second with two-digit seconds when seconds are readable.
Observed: 6,58
